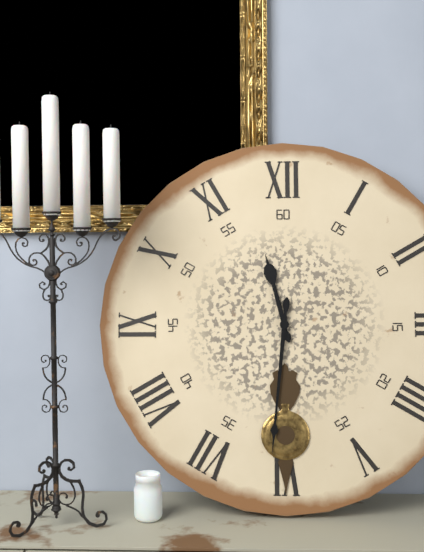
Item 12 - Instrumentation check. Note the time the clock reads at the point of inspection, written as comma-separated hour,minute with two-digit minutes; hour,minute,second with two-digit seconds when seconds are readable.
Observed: 11,31
